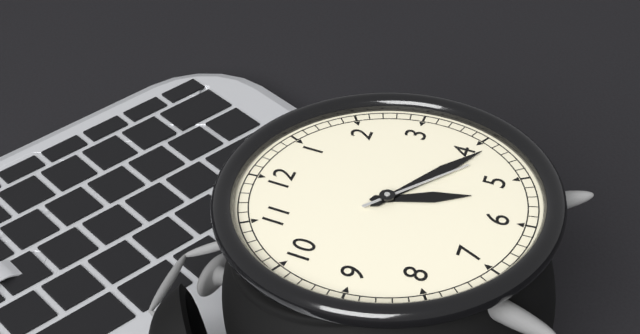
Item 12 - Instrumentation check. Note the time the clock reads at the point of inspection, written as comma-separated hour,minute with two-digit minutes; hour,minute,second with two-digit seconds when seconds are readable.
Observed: 5,21,22
